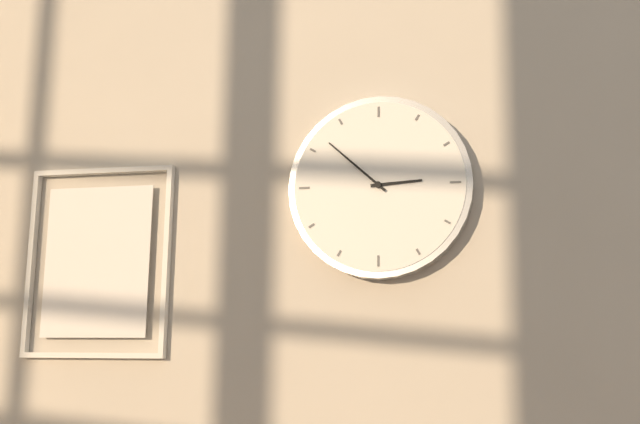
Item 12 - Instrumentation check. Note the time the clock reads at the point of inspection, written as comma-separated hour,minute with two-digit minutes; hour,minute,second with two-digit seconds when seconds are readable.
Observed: 2,52
